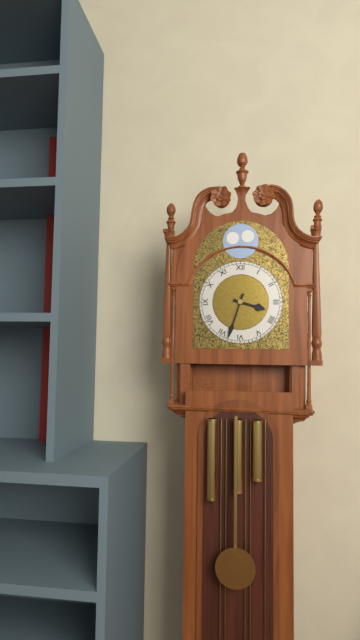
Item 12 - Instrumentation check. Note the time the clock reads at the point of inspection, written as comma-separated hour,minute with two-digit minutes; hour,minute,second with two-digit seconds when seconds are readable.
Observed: 3,33
